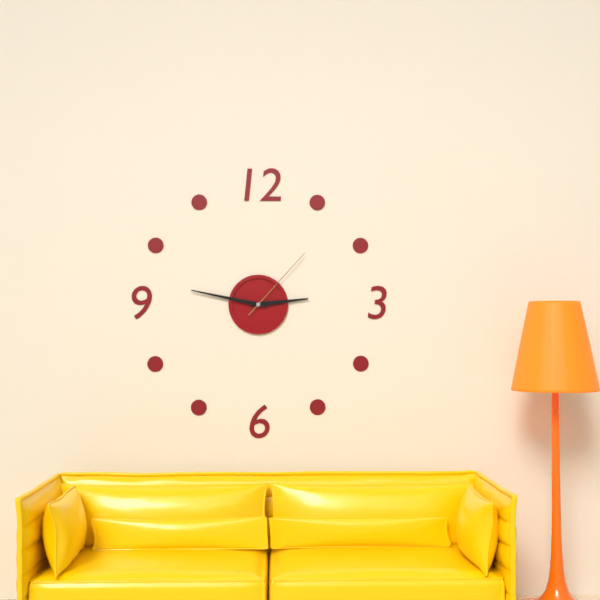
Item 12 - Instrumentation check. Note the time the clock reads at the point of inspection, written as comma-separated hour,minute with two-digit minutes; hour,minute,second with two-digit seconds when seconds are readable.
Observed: 2,47,07
